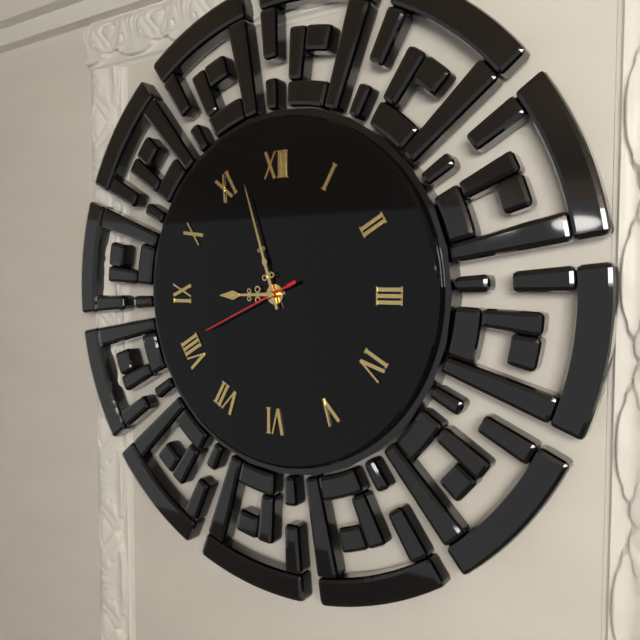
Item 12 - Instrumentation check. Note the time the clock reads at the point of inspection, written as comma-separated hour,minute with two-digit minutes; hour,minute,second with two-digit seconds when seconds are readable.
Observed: 8,57,41
